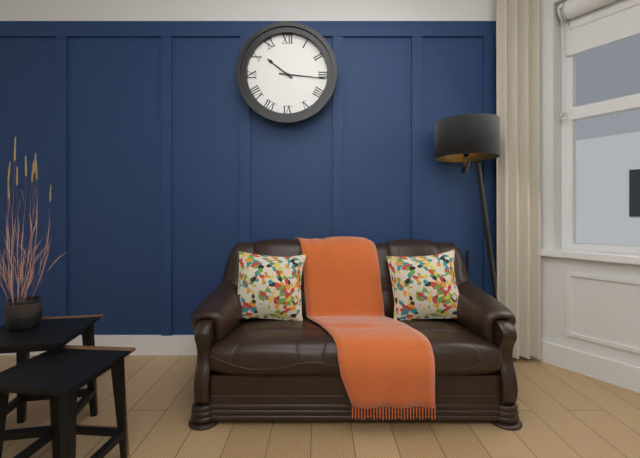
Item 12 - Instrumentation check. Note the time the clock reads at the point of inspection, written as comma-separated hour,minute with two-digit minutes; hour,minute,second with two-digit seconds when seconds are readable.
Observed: 10,16
